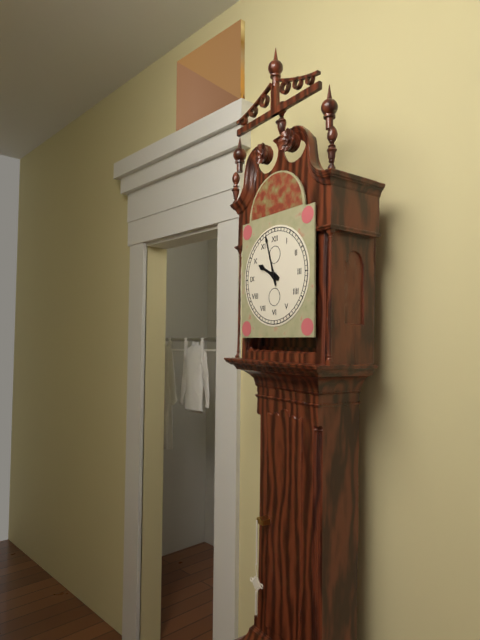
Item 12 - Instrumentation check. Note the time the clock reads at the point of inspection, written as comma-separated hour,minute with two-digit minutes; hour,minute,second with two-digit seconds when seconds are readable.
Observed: 9,57
